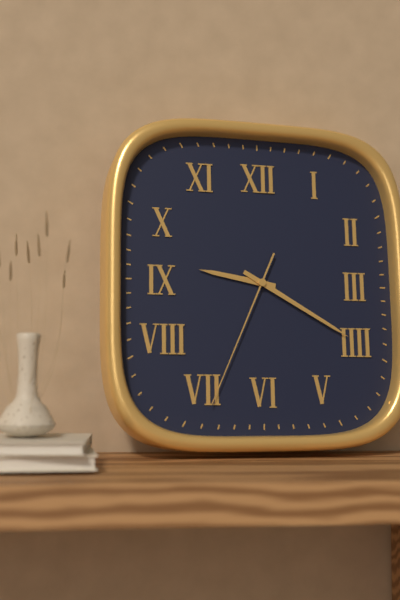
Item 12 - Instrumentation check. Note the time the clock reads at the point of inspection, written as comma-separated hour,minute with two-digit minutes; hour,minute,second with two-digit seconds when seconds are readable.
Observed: 9,20,34
